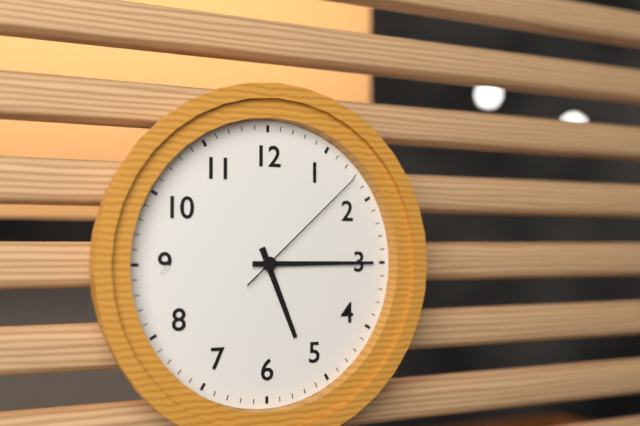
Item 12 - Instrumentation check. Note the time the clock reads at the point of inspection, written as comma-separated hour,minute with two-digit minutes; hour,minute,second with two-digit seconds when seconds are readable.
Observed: 5,15,08
